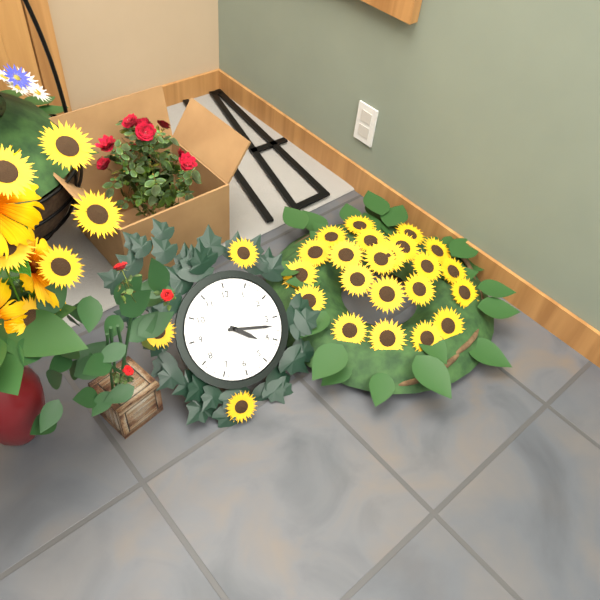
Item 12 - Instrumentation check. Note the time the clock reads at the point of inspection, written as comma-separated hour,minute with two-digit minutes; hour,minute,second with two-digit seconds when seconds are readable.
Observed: 4,17
